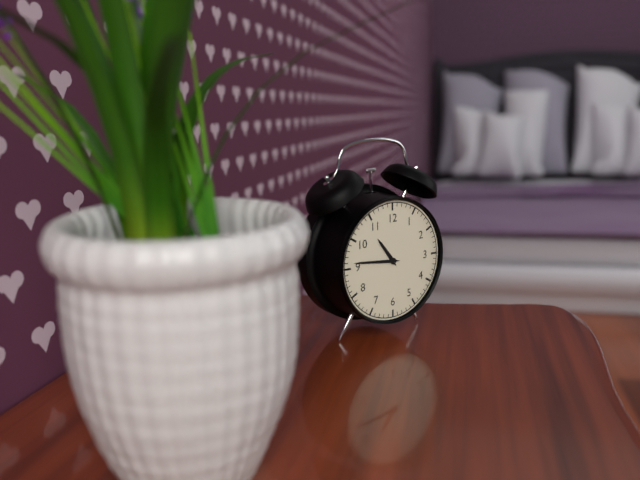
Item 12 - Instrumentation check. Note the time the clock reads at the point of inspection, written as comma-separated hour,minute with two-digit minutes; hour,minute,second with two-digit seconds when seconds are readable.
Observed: 10,46
